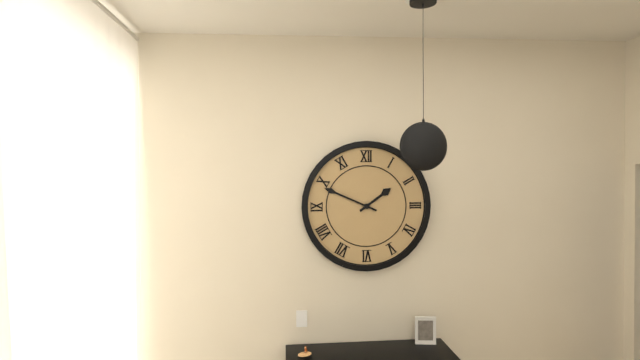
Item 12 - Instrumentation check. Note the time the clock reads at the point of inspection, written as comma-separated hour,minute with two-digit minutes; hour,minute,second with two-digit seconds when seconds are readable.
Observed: 1,49
